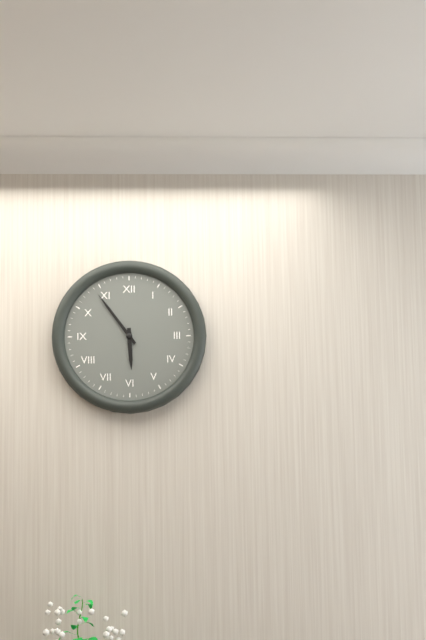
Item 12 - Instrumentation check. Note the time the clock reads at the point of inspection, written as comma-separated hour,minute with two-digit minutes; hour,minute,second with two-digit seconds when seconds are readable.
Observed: 5,54
